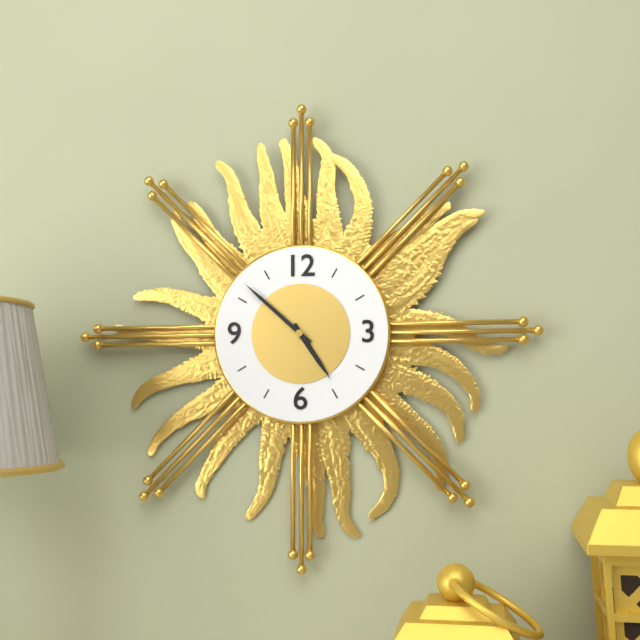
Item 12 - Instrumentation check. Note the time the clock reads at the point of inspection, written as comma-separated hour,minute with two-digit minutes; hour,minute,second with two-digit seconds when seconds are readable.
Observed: 4,52
